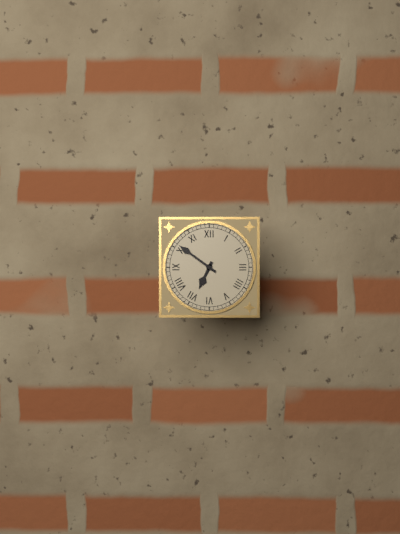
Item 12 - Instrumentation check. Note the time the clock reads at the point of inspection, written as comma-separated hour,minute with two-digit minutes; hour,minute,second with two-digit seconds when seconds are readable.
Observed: 6,51
